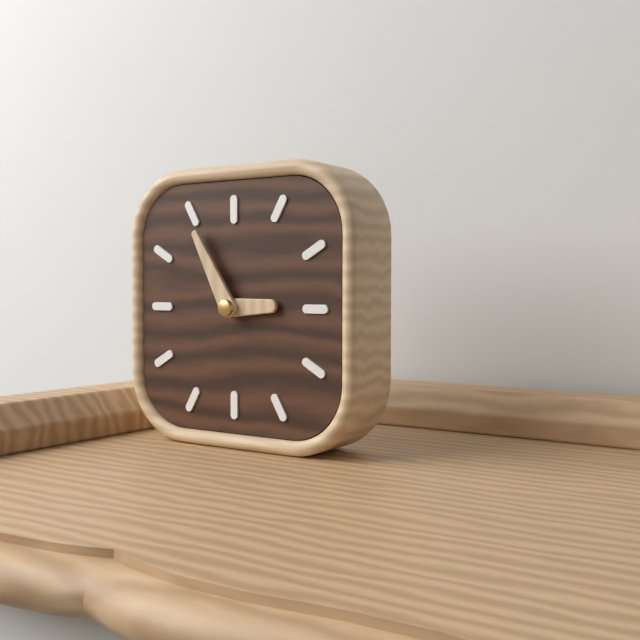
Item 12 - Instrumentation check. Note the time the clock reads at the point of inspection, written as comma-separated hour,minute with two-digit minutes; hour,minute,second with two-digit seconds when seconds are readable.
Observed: 2,55
